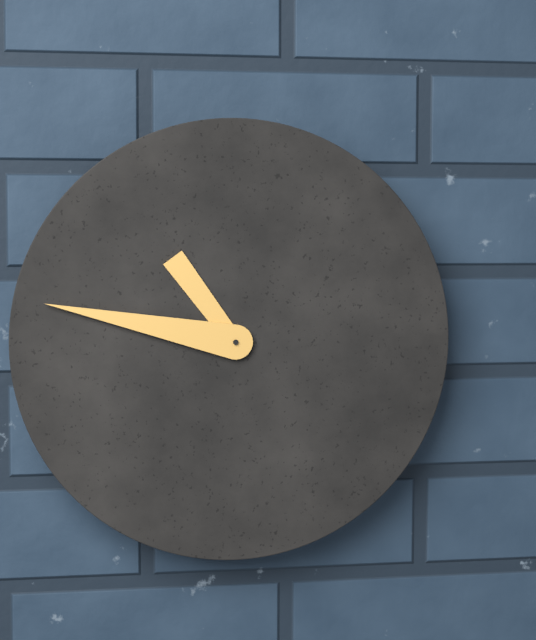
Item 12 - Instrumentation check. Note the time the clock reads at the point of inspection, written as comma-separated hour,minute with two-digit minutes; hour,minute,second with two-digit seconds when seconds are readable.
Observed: 10,47
